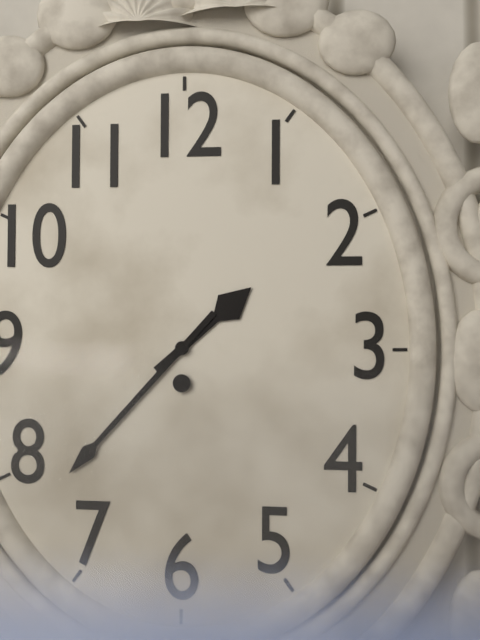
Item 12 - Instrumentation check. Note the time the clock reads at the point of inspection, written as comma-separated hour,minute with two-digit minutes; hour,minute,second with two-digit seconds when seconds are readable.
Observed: 1,37
